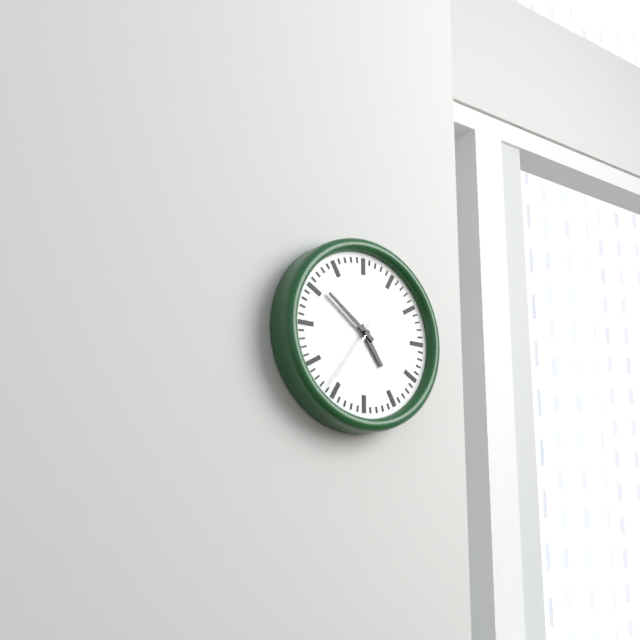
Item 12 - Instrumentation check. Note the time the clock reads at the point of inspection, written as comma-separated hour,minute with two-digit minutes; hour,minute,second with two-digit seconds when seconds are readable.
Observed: 4,51,36
